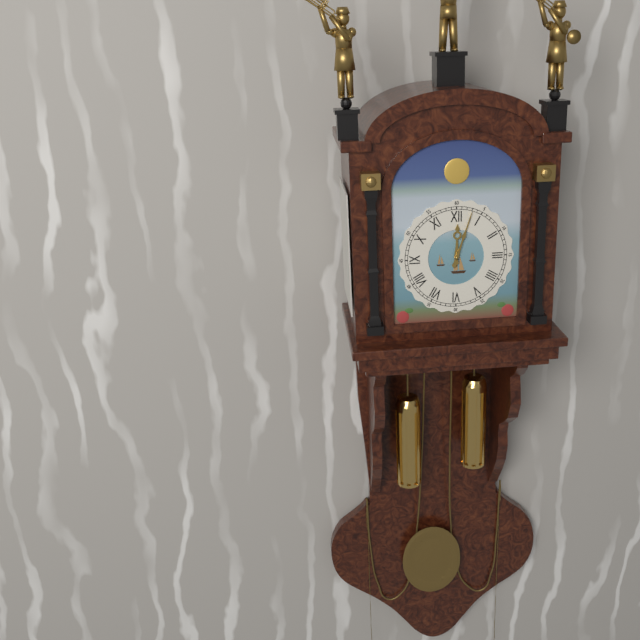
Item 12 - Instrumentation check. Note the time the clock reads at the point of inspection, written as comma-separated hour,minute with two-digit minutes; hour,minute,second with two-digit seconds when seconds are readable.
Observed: 12,03
